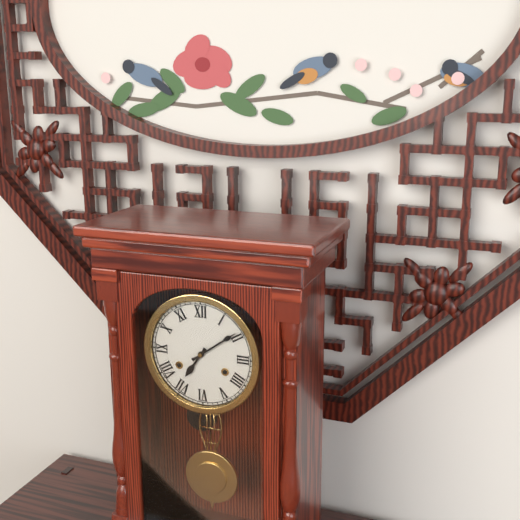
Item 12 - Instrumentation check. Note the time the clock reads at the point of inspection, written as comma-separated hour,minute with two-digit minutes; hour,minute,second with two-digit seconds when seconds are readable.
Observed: 7,09
